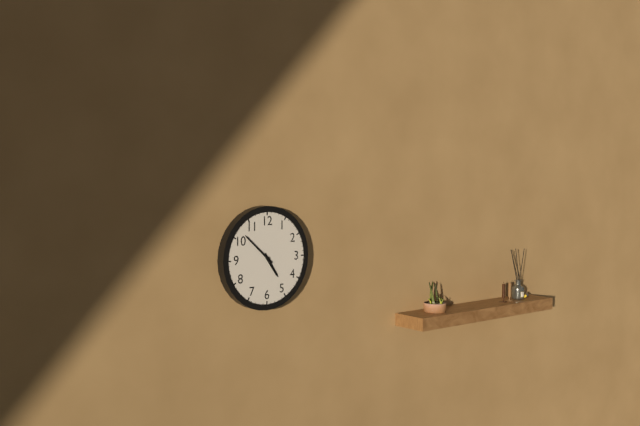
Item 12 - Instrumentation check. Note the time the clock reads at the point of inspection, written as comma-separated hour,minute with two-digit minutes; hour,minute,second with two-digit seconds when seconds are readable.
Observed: 4,52
